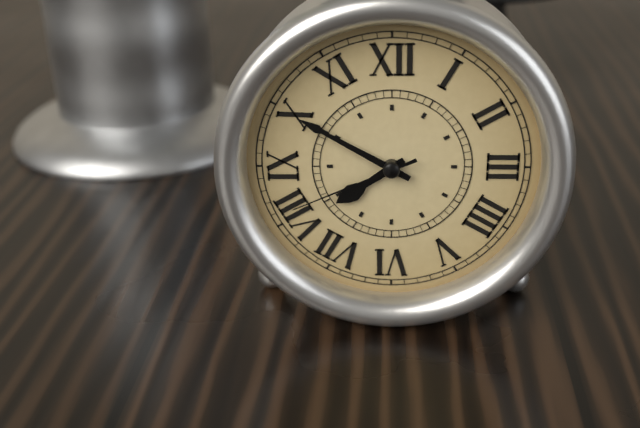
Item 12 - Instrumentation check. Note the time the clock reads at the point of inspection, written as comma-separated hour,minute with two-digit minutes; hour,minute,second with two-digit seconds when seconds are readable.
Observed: 7,50,41
